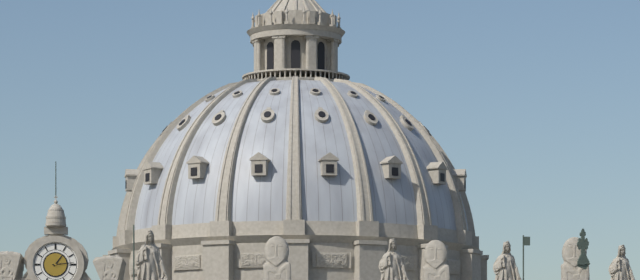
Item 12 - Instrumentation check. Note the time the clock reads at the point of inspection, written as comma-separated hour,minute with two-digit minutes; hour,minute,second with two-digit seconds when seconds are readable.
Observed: 1,14
